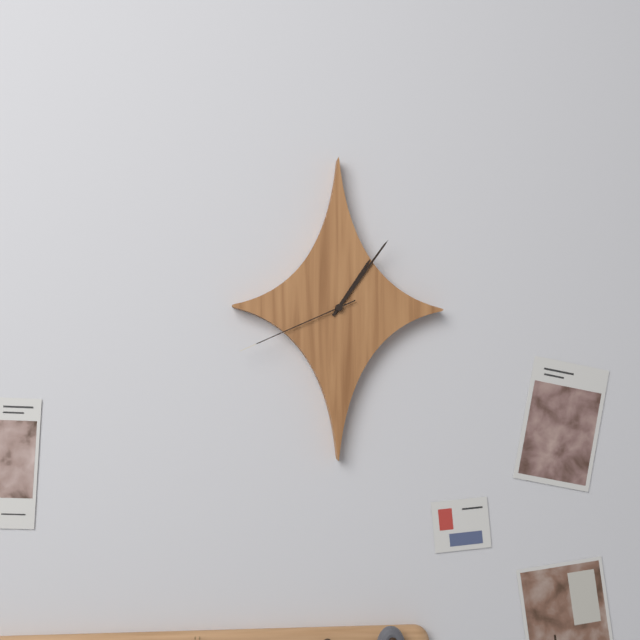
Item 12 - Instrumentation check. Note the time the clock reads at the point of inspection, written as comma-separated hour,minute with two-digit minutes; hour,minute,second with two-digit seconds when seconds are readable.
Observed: 1,06,41
